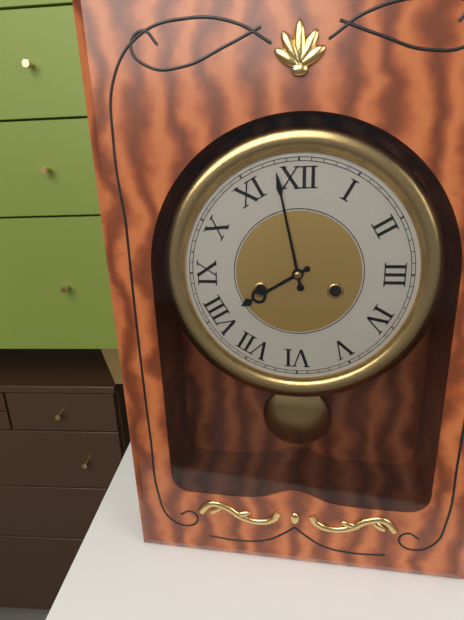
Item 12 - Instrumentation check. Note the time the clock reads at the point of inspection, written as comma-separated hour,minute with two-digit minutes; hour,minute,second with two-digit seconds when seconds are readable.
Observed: 7,58
